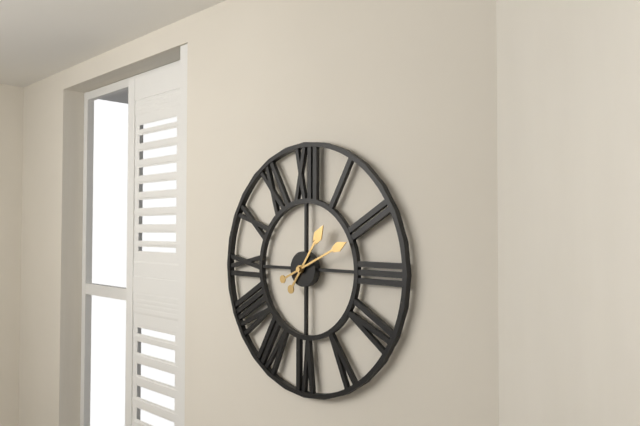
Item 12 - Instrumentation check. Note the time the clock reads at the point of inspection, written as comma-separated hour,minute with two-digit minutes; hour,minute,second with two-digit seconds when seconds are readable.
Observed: 1,11
